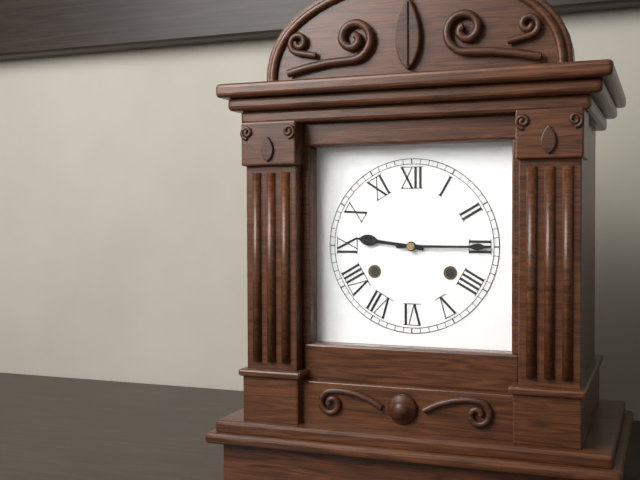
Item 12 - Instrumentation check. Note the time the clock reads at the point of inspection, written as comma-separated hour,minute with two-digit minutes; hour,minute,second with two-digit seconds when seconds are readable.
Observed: 9,15
